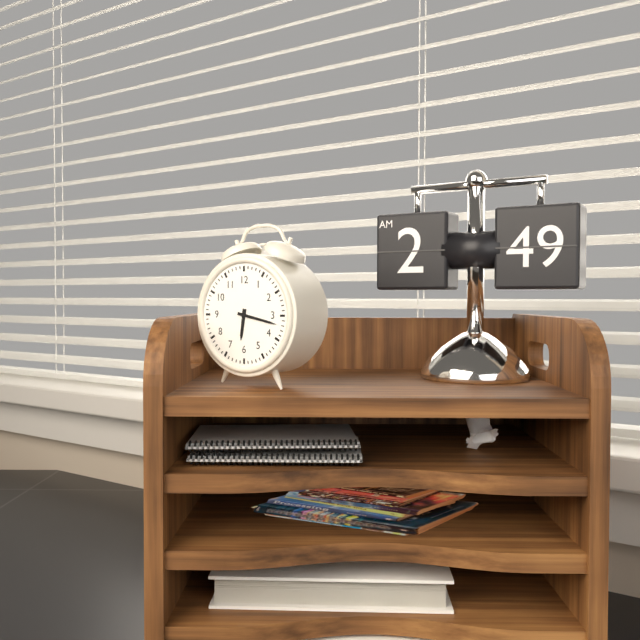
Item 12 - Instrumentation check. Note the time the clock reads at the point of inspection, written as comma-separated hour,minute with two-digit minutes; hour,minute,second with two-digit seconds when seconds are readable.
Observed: 6,17
